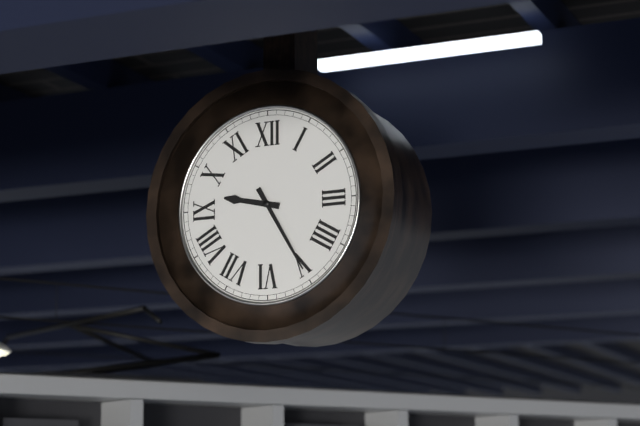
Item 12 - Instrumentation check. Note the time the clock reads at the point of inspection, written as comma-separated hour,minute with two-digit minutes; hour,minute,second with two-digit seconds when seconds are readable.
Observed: 9,25
